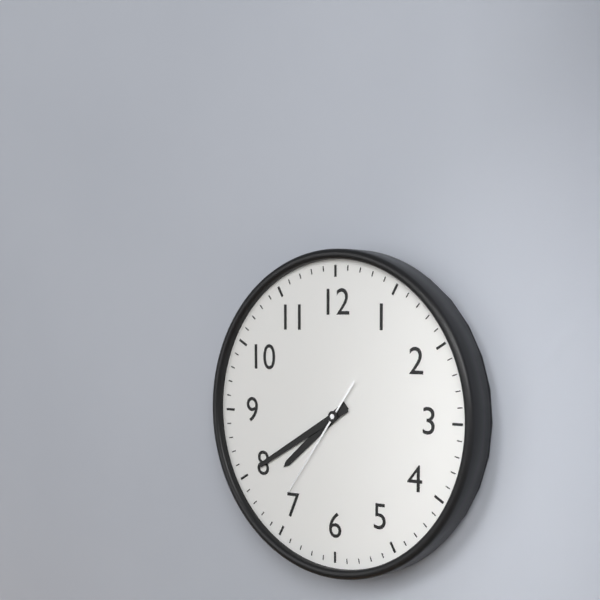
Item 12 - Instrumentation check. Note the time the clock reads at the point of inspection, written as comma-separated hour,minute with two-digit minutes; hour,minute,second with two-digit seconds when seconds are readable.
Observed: 7,40,36
